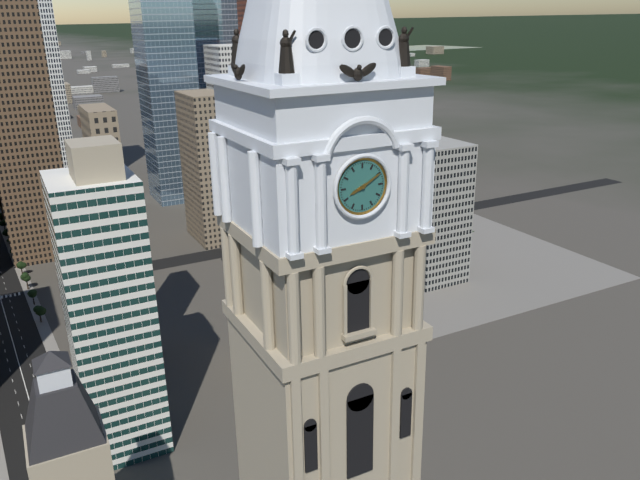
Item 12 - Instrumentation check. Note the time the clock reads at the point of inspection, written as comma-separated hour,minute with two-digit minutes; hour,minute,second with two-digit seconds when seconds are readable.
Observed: 8,10
